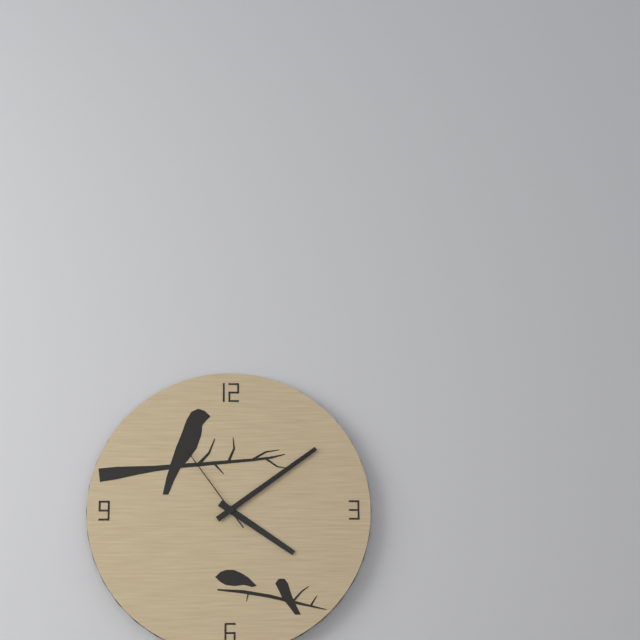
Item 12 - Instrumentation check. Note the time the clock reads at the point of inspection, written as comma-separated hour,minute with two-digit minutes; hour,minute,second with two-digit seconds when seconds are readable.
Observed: 4,09,54
